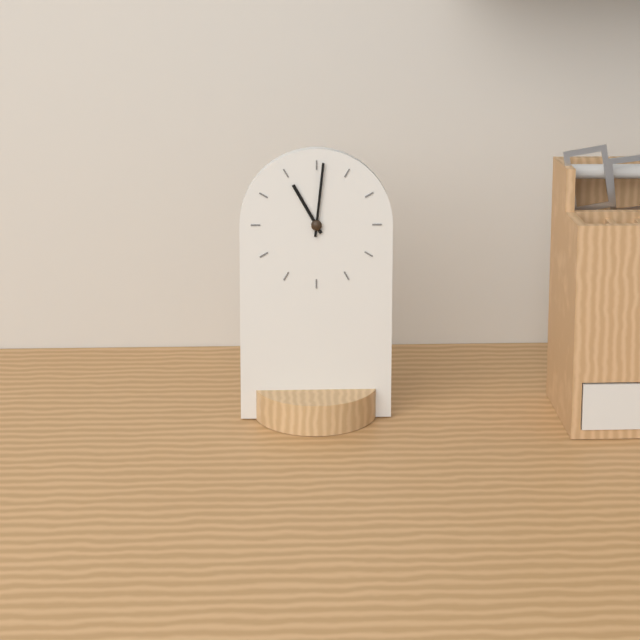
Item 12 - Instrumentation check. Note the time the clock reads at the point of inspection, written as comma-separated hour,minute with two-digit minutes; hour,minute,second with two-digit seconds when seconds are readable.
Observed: 11,01
